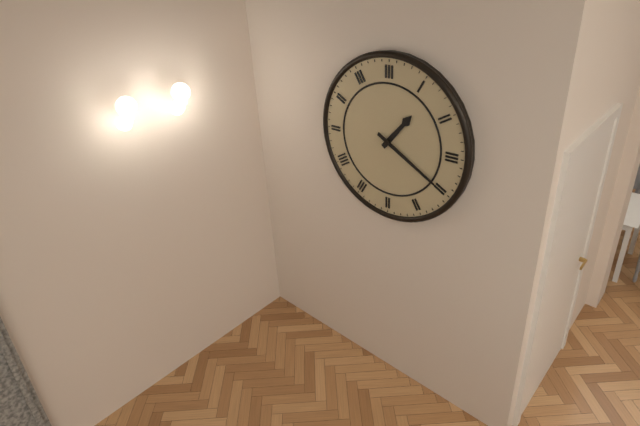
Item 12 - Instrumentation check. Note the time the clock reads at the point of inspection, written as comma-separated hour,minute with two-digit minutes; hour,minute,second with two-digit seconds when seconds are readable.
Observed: 1,20
